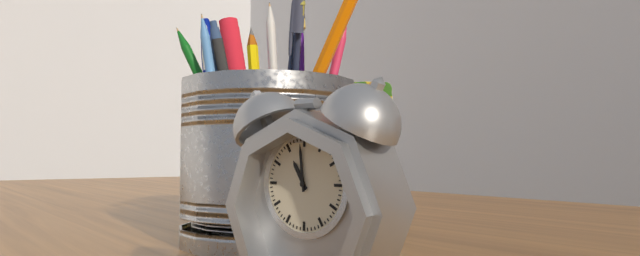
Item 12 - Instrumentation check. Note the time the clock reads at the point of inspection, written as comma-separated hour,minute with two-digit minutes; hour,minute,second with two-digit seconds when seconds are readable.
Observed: 10,59
